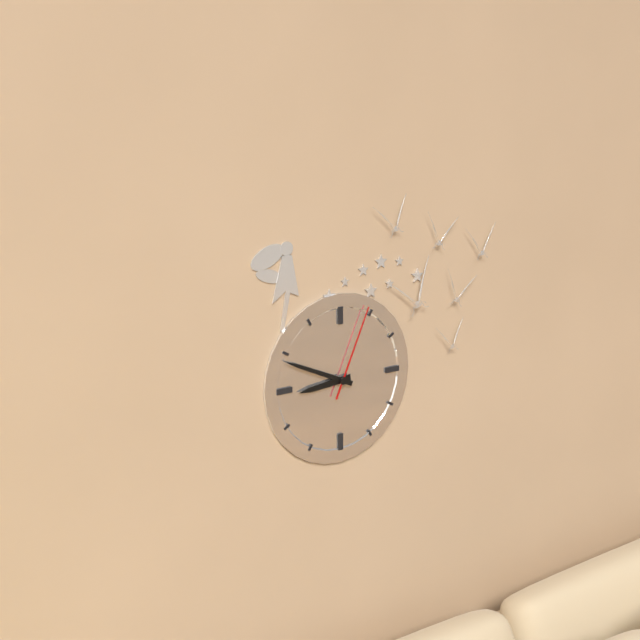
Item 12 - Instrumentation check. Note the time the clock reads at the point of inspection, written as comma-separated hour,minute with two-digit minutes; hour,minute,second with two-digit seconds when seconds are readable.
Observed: 8,49,04
